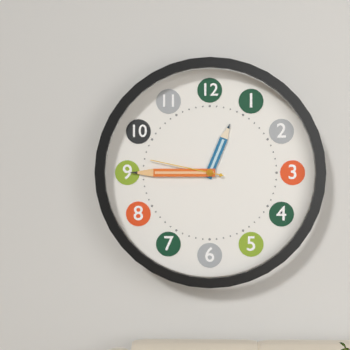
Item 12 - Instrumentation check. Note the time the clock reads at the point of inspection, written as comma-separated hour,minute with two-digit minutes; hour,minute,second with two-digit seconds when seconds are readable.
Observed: 12,45,47
